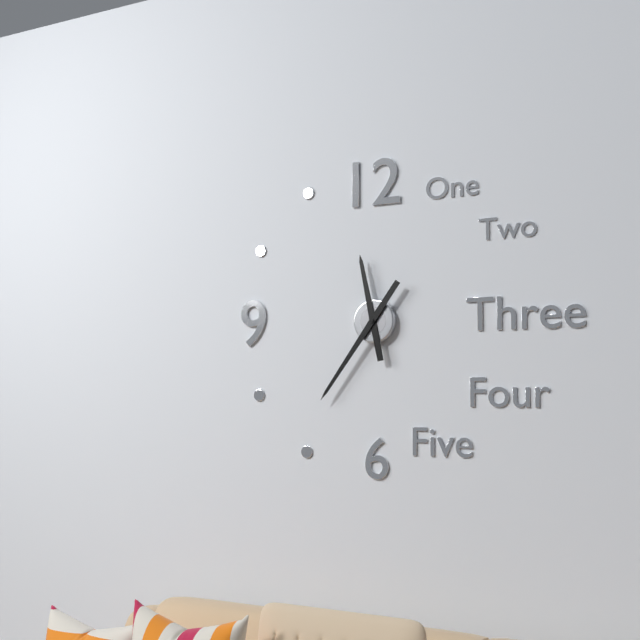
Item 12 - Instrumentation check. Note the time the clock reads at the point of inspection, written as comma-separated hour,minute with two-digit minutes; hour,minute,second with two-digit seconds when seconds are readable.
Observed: 11,36
